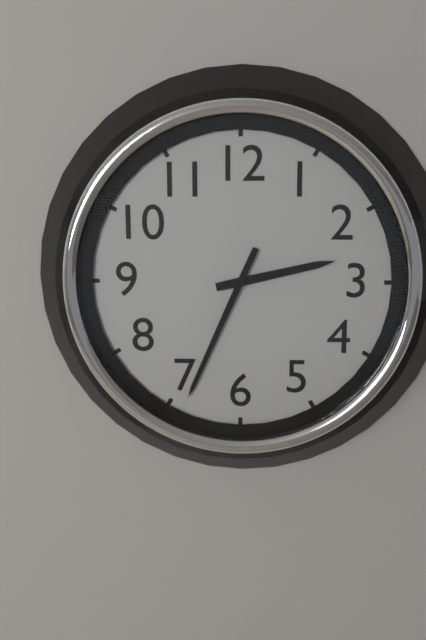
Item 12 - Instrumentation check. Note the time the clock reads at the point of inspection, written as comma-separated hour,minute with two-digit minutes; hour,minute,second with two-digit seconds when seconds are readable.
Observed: 2,34
